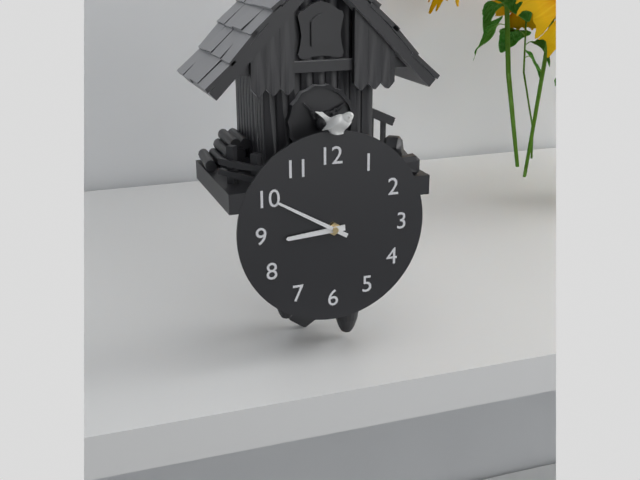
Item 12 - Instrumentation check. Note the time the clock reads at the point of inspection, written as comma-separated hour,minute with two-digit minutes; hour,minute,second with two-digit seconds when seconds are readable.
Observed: 8,50
